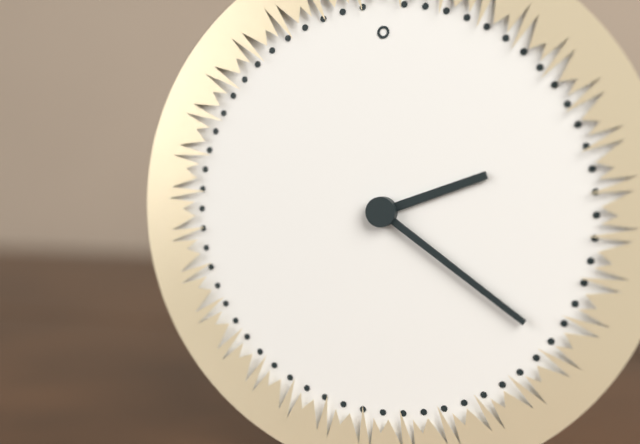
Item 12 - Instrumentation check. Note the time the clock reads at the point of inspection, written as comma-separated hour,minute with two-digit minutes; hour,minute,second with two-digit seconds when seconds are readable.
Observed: 2,21
